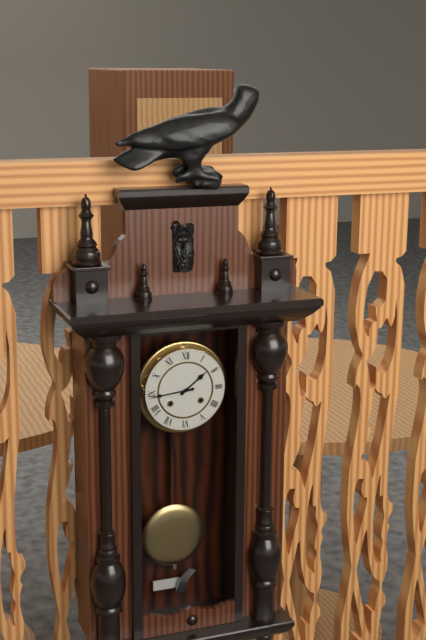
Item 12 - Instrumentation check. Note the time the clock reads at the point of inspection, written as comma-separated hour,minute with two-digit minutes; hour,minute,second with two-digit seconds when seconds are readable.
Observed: 1,44
